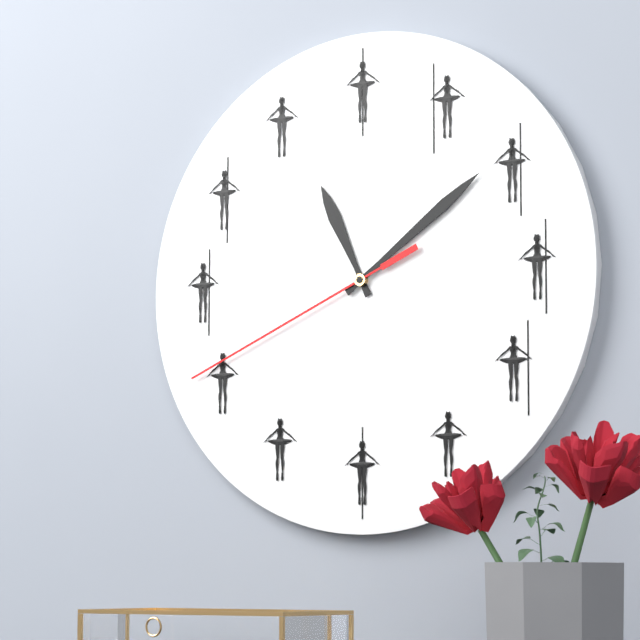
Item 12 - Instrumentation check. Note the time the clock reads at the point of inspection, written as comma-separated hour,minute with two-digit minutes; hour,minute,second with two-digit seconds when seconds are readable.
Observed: 11,09,41
